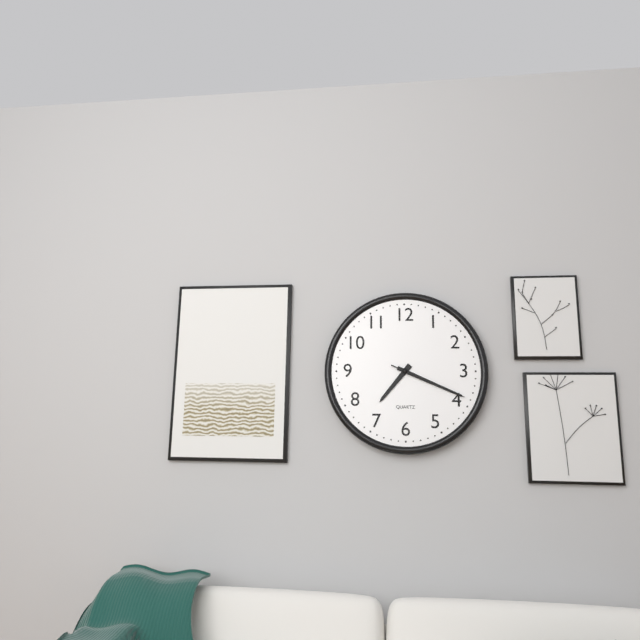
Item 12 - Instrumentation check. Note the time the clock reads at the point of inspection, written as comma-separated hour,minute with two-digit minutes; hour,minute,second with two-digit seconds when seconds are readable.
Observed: 7,19,19
